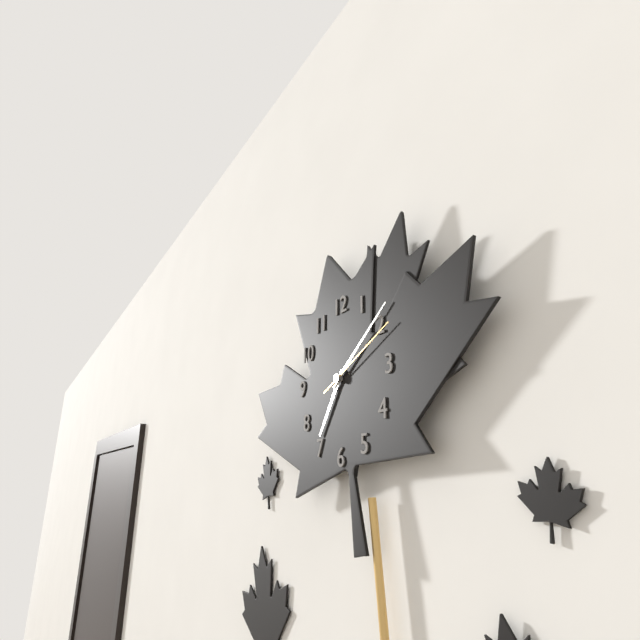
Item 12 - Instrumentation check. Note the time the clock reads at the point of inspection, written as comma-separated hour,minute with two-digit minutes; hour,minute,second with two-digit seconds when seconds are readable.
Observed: 7,09,11
